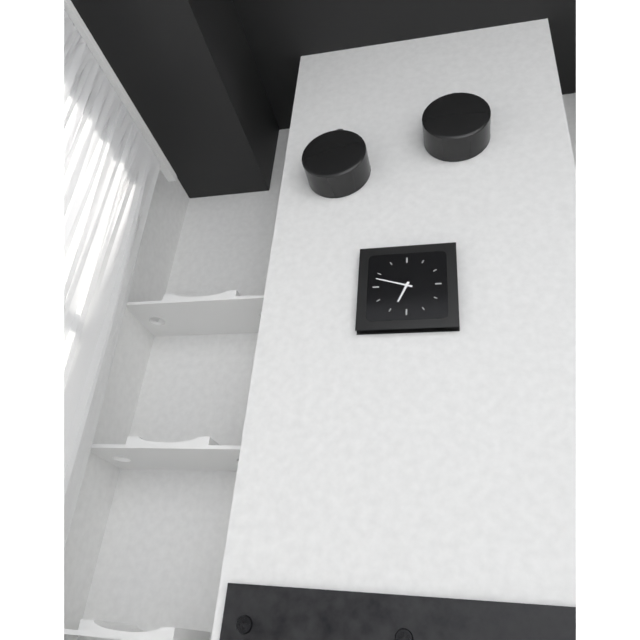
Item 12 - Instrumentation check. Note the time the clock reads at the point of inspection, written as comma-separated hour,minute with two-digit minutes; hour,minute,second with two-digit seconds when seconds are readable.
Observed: 6,48
